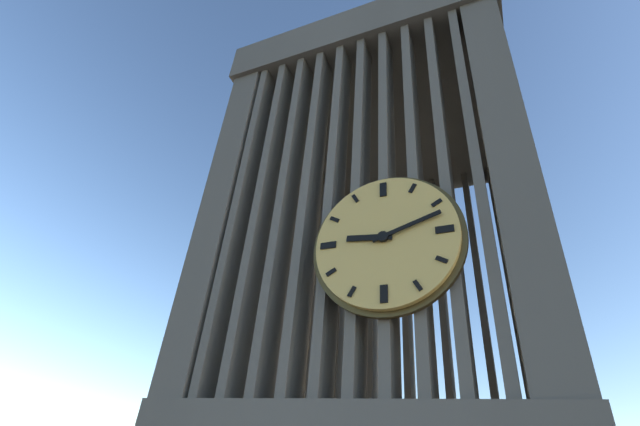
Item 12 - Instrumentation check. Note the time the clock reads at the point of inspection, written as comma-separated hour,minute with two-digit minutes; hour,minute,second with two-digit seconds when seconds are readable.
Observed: 9,12
